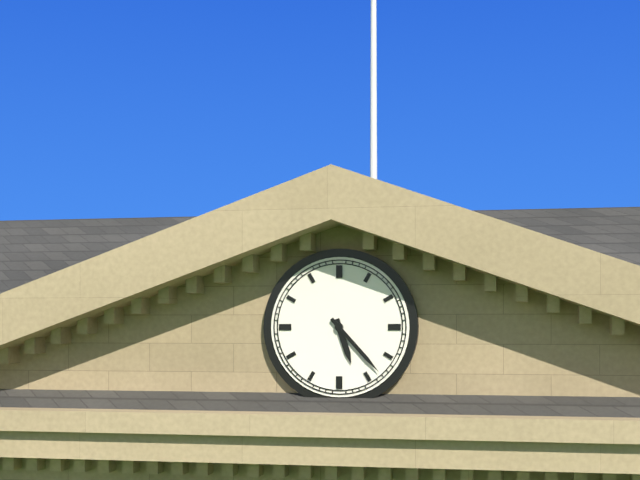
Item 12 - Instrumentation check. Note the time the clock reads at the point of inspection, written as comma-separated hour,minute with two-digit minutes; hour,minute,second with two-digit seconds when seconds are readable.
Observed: 5,23
